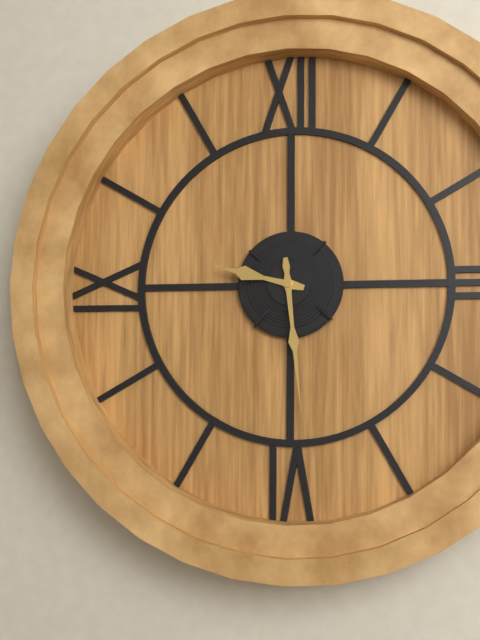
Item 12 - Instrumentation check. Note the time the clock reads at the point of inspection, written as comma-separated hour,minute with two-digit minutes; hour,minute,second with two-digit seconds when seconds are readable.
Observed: 9,29
